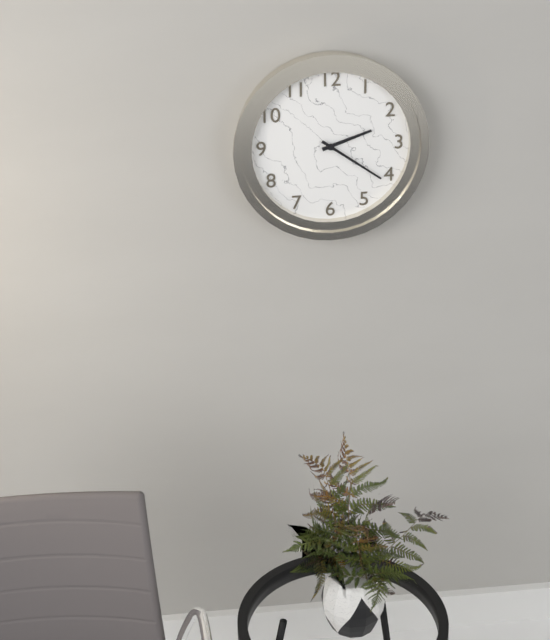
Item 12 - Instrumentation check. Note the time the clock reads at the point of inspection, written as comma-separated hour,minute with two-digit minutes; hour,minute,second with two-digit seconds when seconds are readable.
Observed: 2,21
